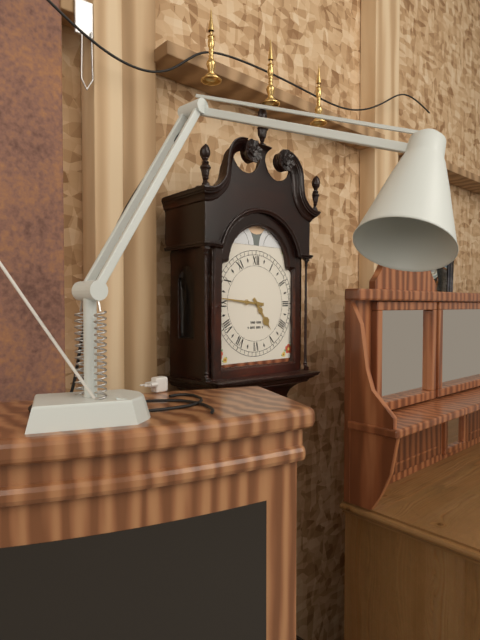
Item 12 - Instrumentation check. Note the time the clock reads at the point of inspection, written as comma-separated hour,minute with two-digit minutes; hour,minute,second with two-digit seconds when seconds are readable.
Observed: 4,46
